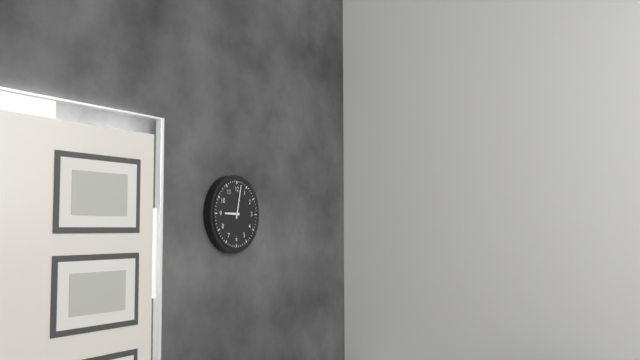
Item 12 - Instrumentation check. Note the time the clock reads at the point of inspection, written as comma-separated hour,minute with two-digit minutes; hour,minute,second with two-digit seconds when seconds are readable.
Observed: 9,02
